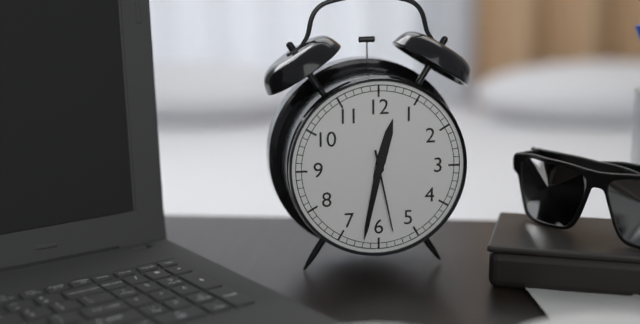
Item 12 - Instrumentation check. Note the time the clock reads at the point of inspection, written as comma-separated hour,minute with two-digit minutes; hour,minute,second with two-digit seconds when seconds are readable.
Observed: 12,32,28
